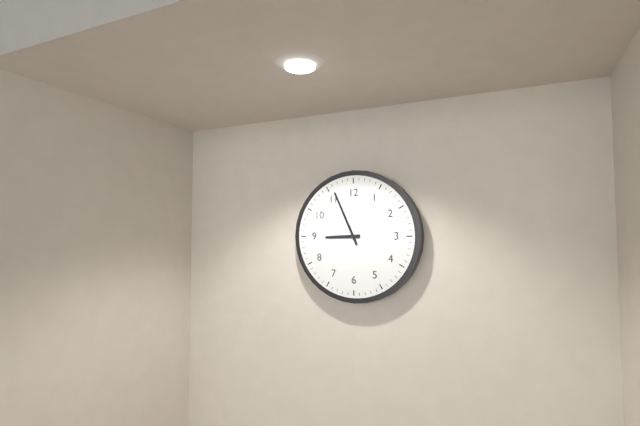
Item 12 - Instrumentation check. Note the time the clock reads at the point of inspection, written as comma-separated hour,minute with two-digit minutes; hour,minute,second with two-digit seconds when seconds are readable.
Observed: 8,56
